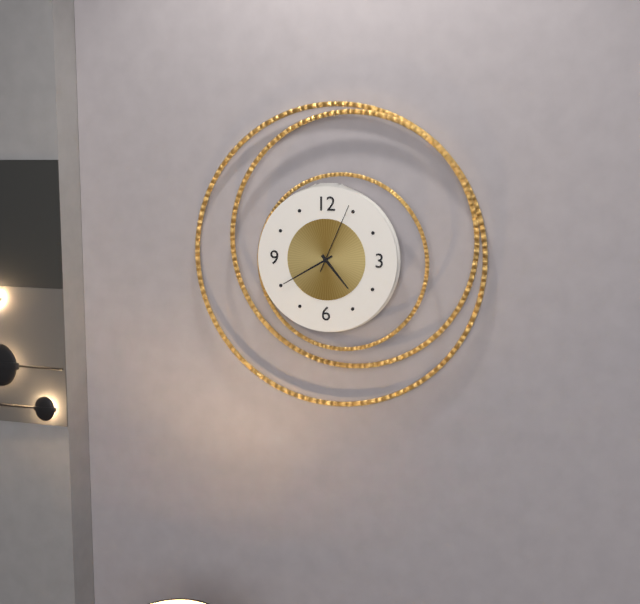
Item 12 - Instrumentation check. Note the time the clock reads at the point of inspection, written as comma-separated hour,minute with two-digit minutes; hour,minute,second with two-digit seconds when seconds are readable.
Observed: 4,40,04
